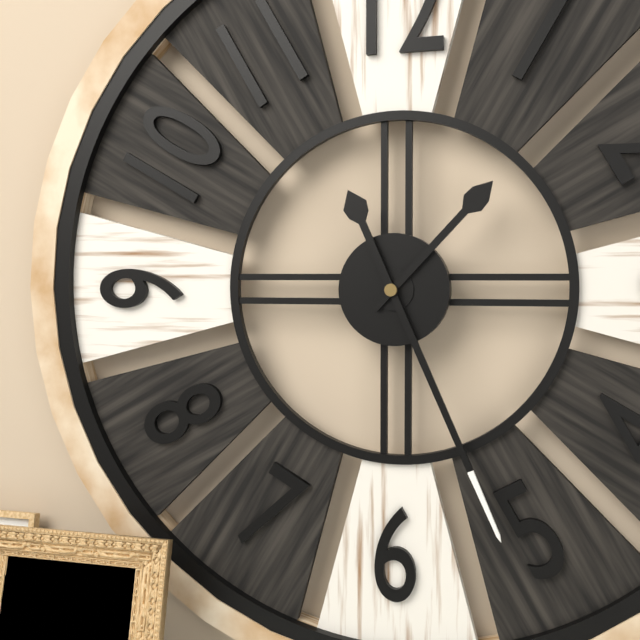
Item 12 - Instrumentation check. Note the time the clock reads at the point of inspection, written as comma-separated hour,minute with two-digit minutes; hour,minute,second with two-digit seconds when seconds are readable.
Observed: 1,26
